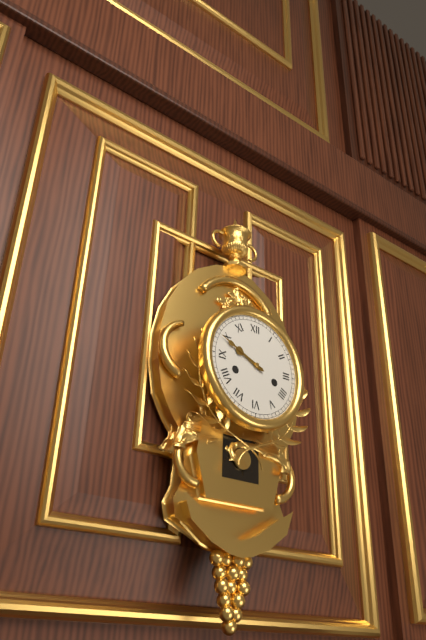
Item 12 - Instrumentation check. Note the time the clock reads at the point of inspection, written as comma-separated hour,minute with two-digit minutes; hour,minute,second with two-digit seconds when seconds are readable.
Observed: 9,49
